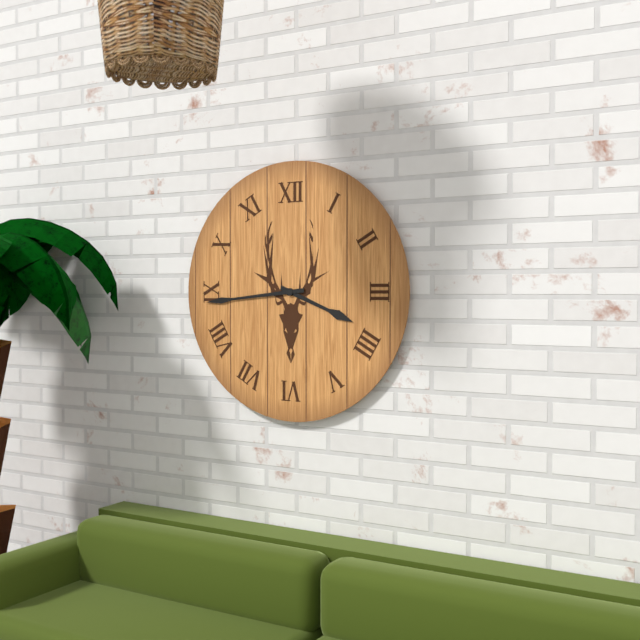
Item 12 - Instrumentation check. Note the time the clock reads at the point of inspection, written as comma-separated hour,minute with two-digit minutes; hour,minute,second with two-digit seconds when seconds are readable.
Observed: 3,44
